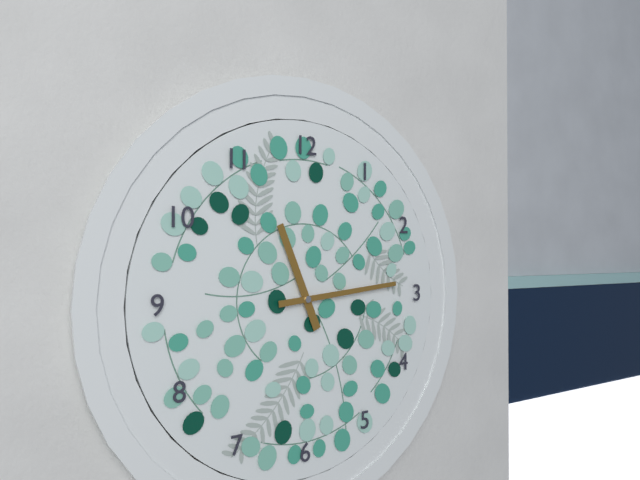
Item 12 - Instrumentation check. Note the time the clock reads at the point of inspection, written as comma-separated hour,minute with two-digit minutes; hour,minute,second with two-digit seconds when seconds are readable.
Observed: 11,14
